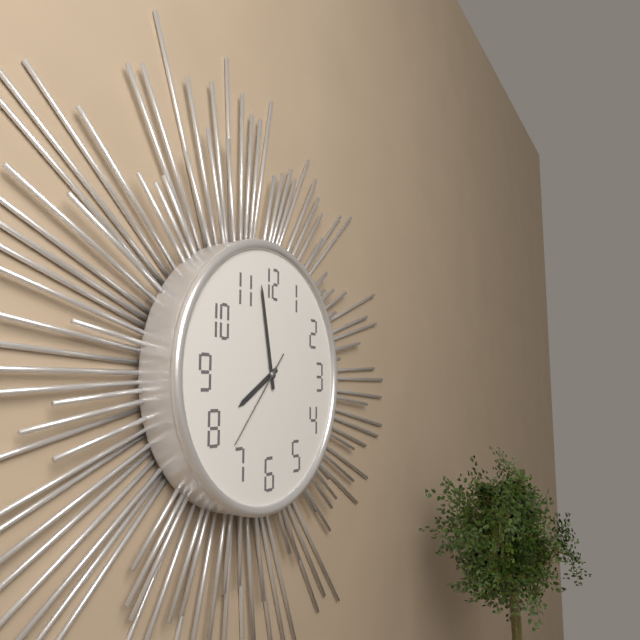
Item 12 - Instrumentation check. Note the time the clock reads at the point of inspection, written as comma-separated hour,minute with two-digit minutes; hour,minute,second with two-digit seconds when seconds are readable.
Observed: 7,58,37
